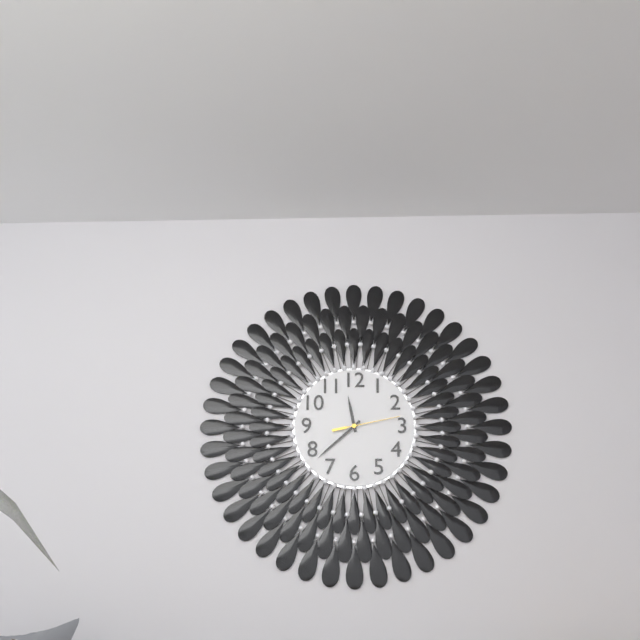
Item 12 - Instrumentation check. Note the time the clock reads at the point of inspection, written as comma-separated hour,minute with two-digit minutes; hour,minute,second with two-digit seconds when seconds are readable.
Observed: 11,38,13
